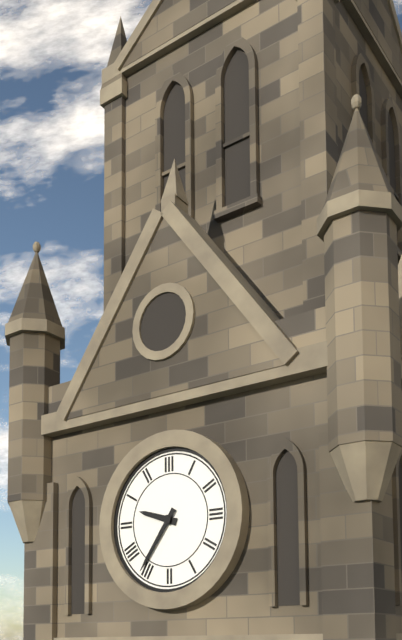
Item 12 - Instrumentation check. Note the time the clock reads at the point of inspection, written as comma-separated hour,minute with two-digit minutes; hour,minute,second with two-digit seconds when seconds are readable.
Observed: 9,36
